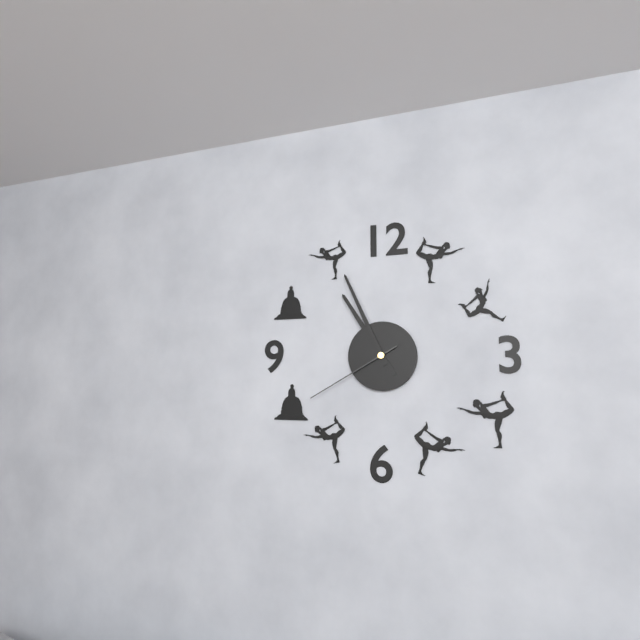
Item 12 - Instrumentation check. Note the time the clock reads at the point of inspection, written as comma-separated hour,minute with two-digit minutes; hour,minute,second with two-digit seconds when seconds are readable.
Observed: 10,56,40
